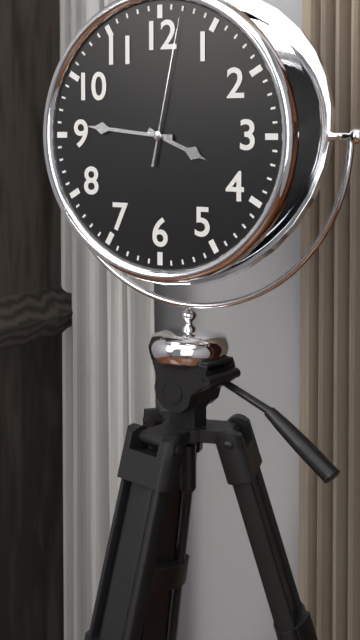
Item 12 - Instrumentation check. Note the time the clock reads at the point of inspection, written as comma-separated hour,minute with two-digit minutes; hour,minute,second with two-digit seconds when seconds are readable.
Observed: 3,46,02
